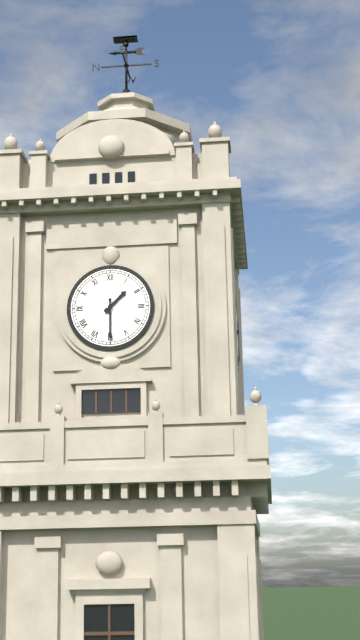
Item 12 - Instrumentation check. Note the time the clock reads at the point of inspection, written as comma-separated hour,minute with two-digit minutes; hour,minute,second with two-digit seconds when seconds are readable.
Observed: 1,30
